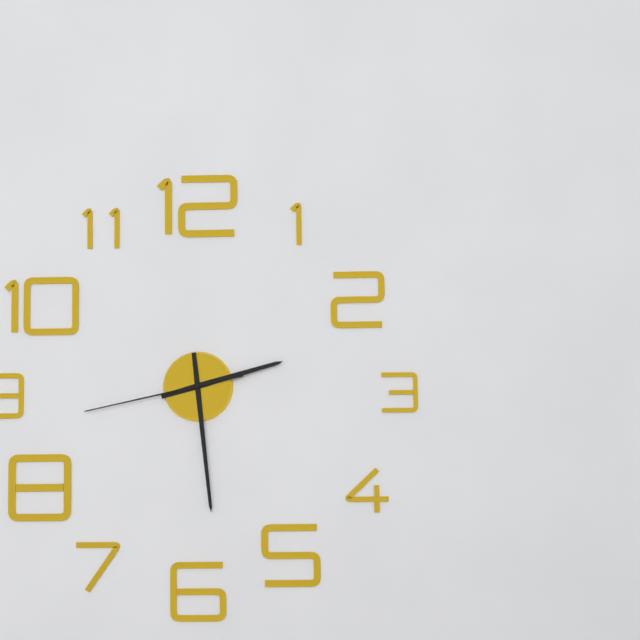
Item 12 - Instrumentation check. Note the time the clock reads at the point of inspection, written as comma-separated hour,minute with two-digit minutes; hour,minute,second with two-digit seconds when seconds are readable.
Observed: 2,29,43
